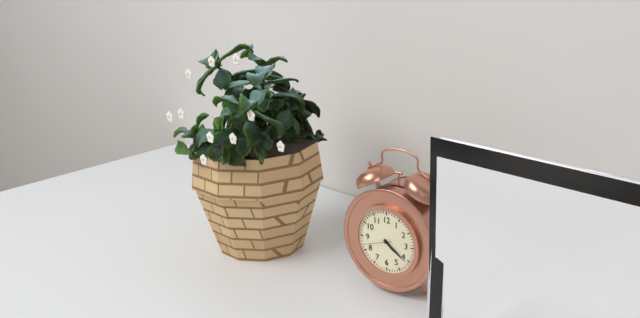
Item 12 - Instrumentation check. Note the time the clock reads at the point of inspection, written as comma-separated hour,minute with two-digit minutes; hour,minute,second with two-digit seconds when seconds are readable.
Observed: 4,21
